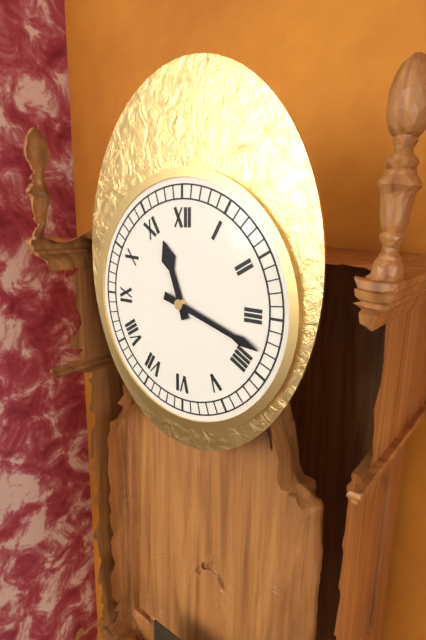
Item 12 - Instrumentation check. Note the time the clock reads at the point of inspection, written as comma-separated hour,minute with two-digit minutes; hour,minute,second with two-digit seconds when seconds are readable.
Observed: 11,18
